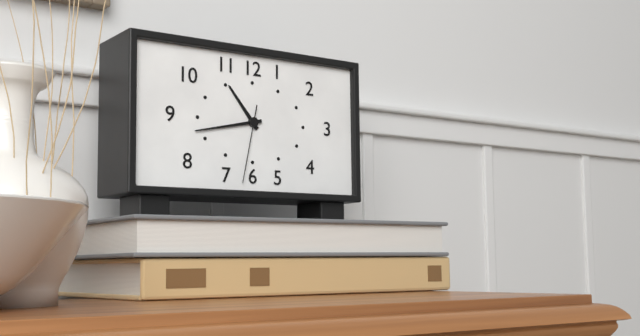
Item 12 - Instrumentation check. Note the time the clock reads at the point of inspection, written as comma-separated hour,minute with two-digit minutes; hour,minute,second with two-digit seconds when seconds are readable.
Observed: 10,43,32
